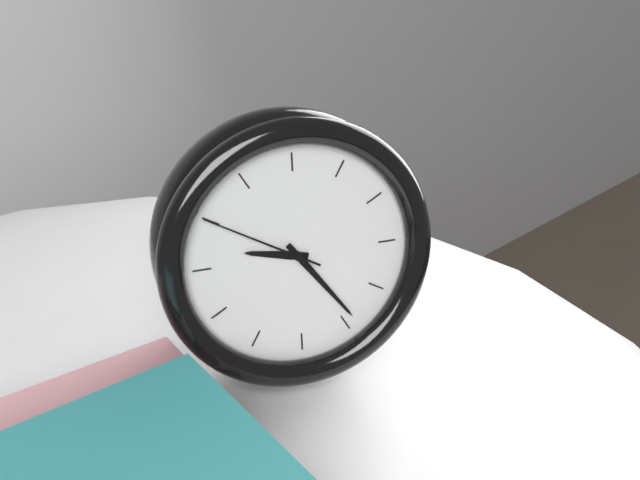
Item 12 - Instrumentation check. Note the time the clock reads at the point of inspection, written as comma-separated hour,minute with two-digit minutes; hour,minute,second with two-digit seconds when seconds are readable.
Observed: 9,24,50
